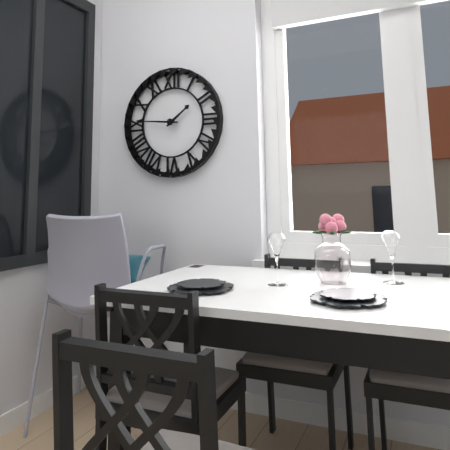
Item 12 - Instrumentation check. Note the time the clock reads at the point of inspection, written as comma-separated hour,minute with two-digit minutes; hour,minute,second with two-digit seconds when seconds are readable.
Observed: 1,46
